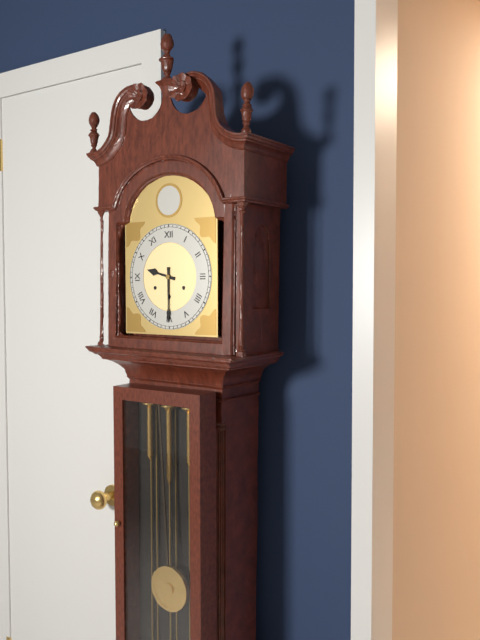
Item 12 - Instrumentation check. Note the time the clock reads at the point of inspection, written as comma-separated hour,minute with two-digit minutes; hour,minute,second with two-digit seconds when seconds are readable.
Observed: 9,30
